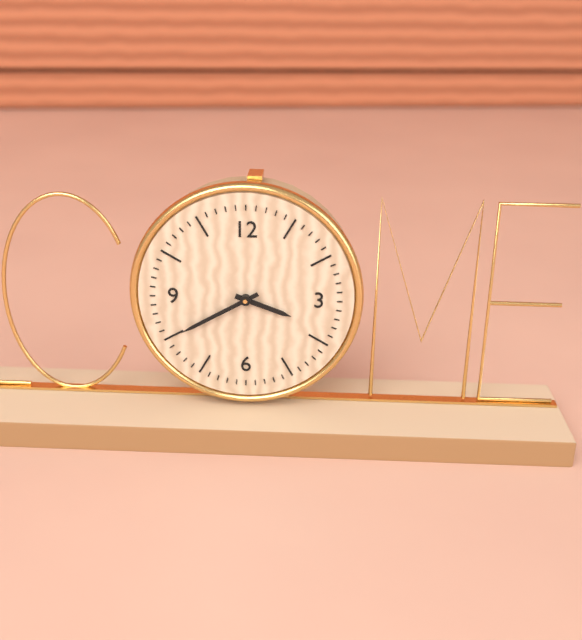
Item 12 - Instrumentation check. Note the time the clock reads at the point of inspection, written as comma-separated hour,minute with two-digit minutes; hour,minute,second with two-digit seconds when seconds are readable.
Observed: 3,40
